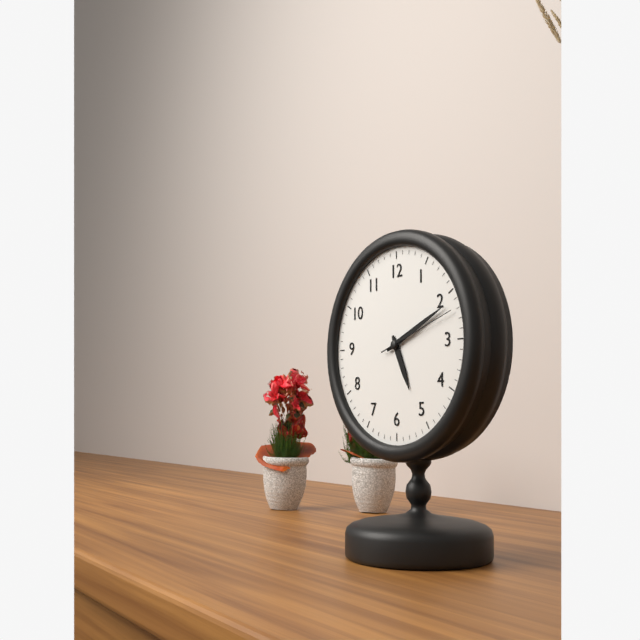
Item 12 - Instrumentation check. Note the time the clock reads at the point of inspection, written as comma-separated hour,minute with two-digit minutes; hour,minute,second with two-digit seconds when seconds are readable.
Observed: 5,11,12
